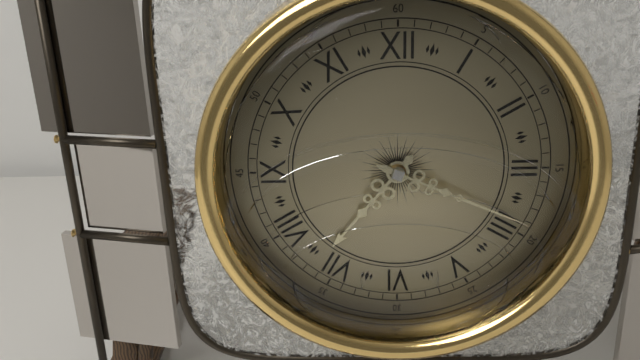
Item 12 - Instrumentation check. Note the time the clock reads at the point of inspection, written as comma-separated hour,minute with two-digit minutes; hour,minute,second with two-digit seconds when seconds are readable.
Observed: 7,19
